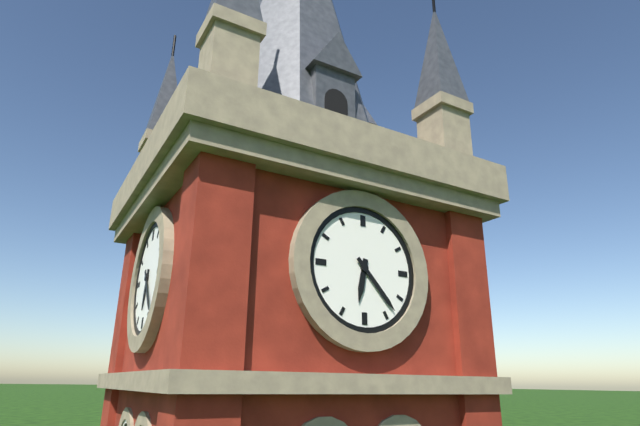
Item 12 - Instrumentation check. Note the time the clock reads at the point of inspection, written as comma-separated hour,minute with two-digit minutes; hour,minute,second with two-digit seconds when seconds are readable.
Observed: 6,23
